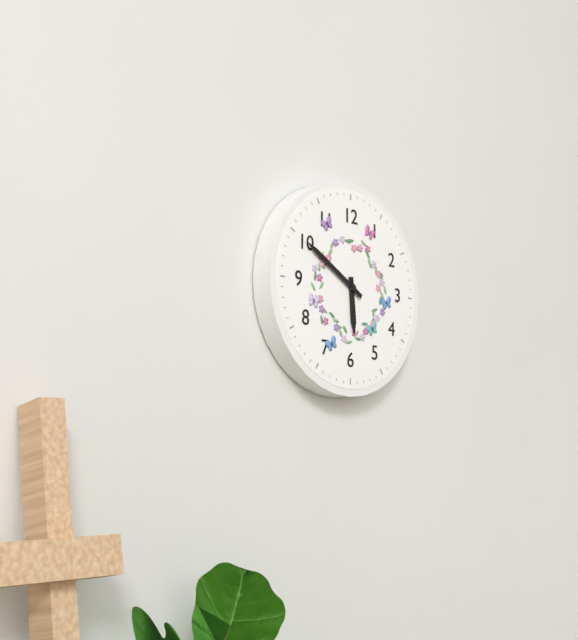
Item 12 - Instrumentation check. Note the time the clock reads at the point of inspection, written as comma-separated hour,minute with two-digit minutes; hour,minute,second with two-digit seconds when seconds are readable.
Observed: 5,50
